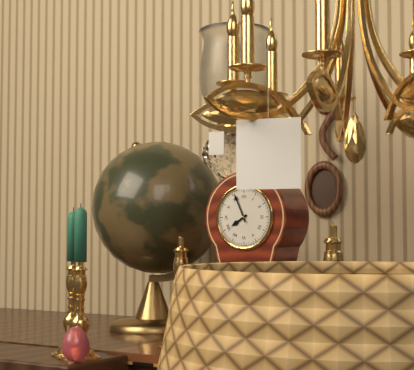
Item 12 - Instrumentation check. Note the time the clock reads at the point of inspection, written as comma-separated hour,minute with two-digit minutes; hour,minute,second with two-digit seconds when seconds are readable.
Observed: 7,56
